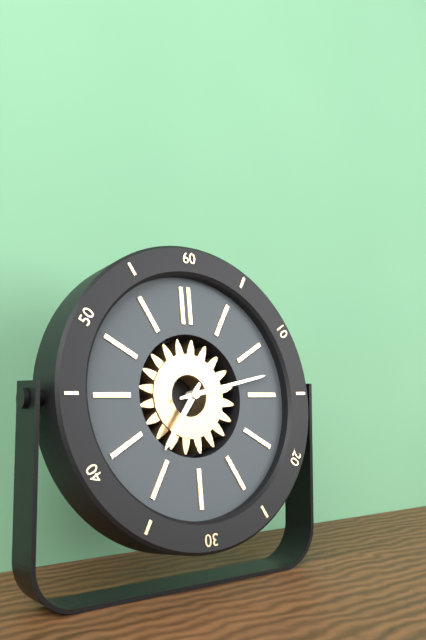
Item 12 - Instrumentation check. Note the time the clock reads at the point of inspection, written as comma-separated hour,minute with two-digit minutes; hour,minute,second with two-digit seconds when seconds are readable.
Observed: 7,13
